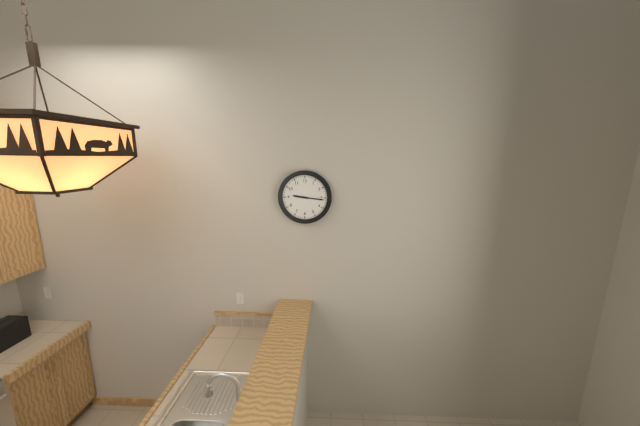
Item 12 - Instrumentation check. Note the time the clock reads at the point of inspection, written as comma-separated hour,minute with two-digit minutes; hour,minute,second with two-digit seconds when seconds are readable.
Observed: 9,16
